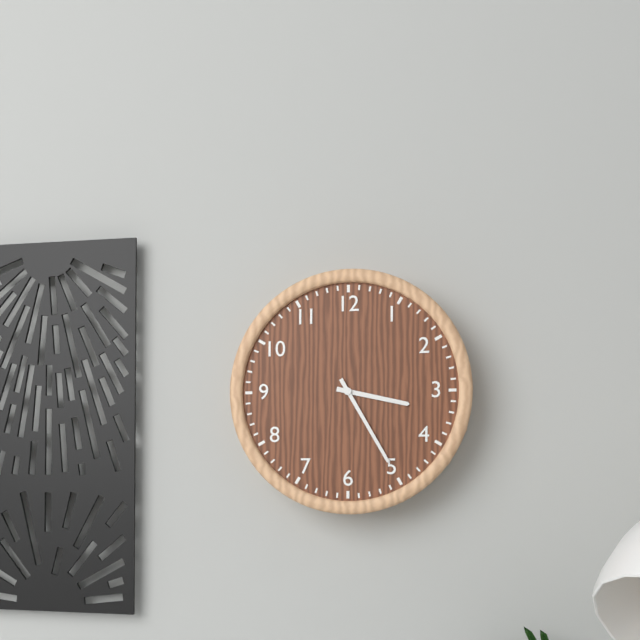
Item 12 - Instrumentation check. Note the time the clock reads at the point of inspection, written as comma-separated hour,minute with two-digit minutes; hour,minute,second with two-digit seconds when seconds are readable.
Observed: 3,25
